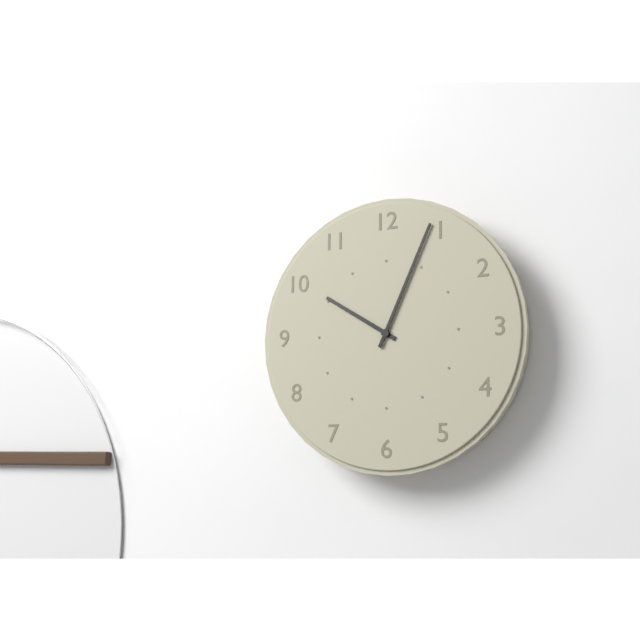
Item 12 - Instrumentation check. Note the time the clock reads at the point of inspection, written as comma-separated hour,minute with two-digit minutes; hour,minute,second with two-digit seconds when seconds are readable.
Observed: 10,04
